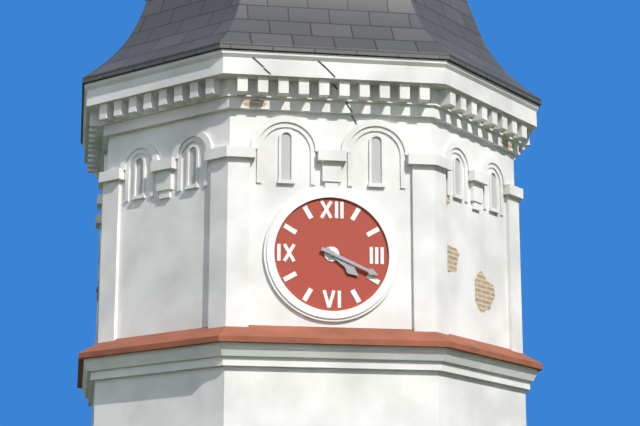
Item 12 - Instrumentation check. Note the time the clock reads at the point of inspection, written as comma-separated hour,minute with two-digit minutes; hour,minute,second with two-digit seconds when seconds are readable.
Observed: 4,19
